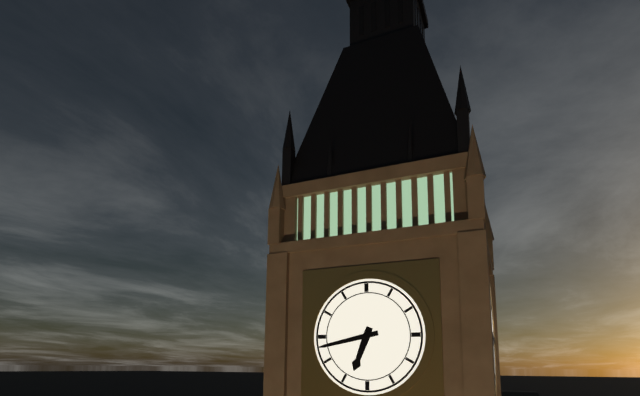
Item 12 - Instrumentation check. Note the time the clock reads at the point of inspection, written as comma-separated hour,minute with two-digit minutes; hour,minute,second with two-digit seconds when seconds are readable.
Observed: 6,43
